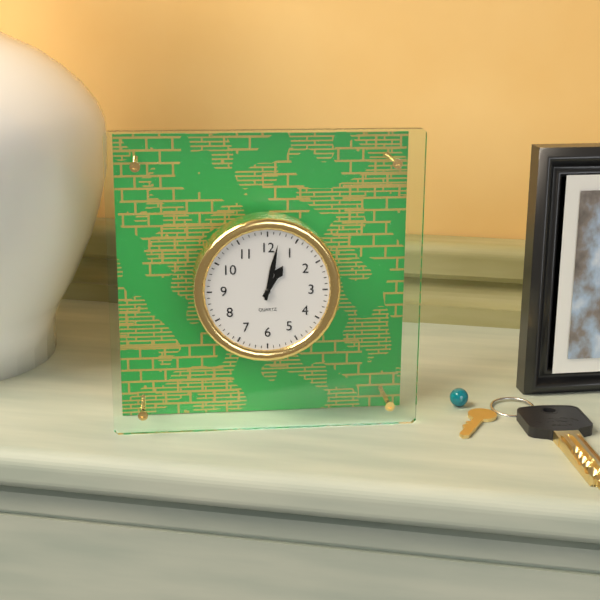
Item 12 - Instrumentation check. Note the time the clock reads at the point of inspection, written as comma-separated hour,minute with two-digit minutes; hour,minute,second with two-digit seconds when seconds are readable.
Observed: 1,02
